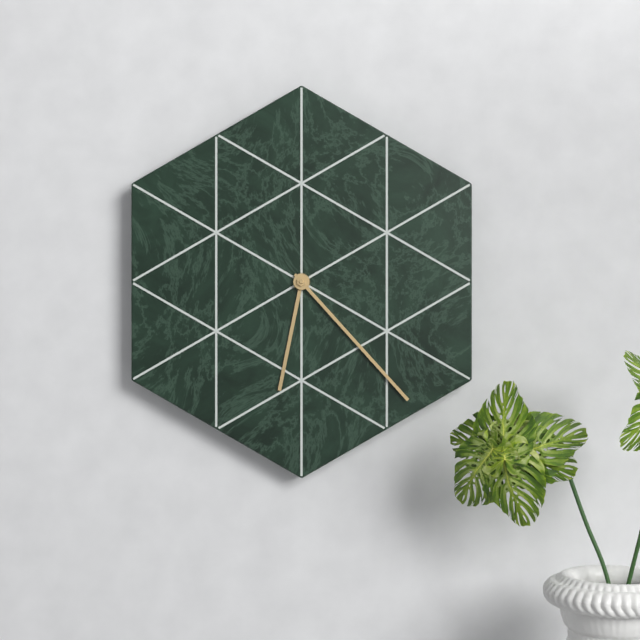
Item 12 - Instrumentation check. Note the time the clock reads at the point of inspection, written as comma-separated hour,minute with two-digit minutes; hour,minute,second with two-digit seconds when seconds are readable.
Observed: 6,23
